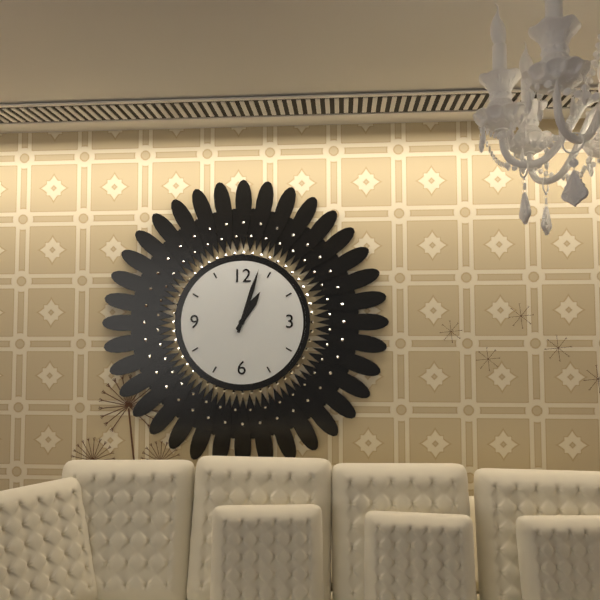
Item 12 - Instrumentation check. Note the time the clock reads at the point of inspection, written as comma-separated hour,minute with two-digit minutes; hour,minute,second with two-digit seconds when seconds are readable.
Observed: 1,03
